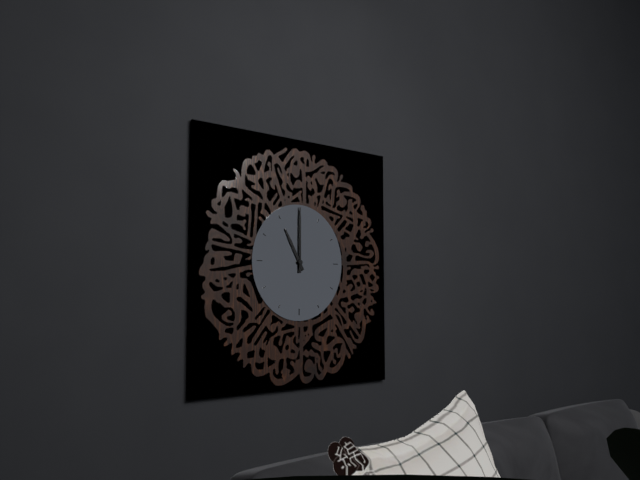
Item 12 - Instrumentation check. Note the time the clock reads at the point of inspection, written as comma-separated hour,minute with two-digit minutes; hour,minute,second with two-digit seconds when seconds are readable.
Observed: 11,00
